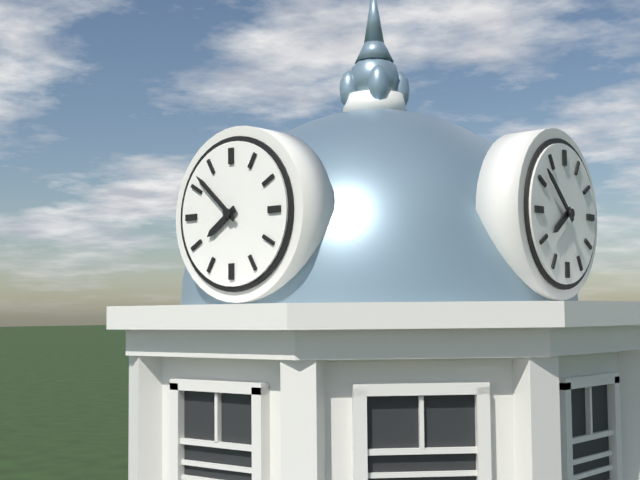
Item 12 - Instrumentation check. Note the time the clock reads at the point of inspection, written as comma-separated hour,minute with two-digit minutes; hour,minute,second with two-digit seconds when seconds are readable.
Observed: 7,52
